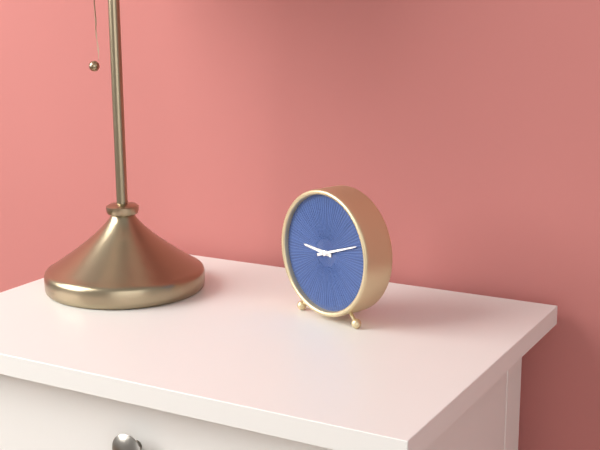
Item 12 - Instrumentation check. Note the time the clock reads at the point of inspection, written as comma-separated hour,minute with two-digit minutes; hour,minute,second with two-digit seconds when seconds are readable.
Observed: 9,12
